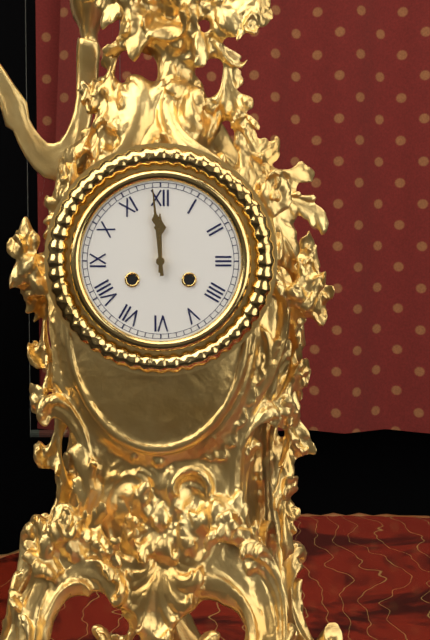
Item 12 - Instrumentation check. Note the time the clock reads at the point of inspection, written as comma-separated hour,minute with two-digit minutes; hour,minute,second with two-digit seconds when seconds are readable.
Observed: 11,59
